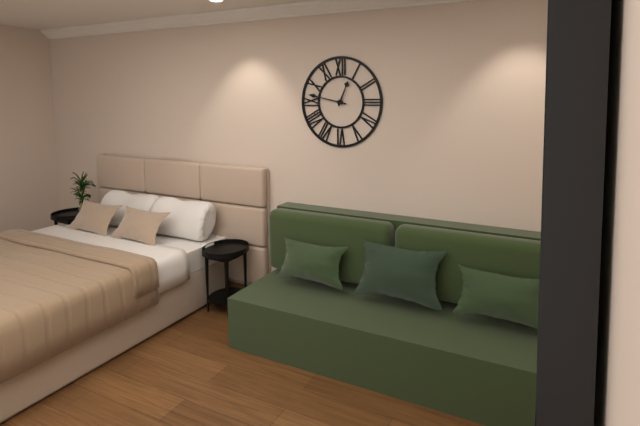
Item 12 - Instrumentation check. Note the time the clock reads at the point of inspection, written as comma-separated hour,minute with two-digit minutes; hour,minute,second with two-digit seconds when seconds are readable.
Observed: 12,47
